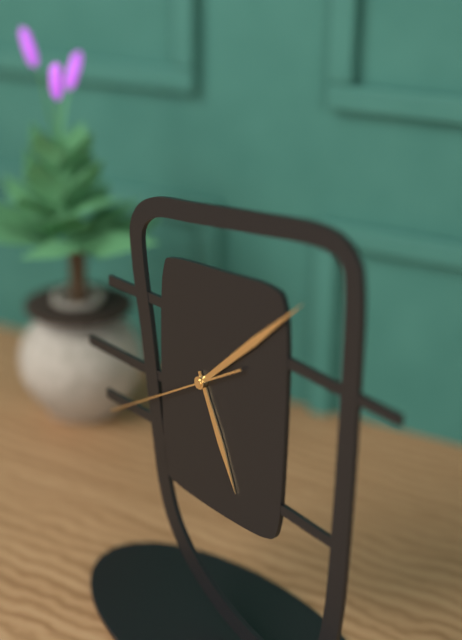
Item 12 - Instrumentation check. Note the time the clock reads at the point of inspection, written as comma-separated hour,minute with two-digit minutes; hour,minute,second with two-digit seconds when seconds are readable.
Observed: 5,08,40
